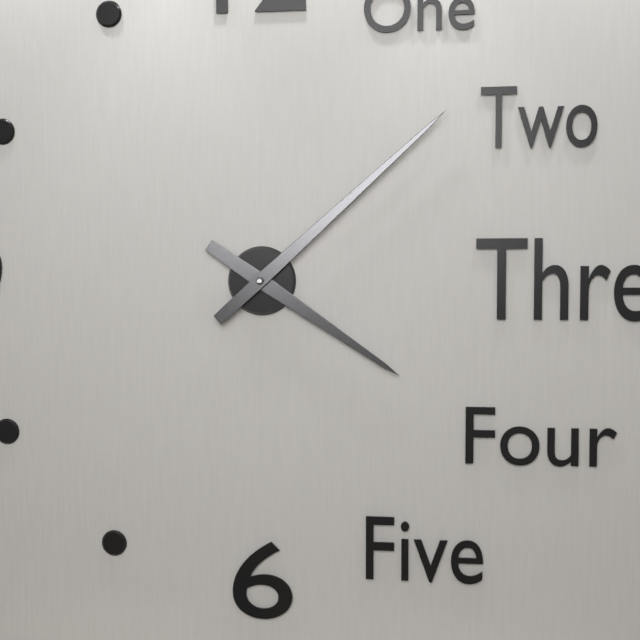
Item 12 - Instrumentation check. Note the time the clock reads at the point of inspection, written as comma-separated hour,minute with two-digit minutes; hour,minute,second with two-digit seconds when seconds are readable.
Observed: 4,08
